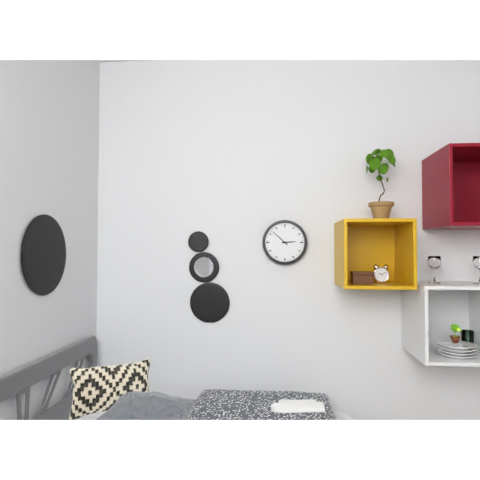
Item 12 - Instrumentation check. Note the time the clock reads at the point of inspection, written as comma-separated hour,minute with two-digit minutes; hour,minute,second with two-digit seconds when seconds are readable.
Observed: 2,52
